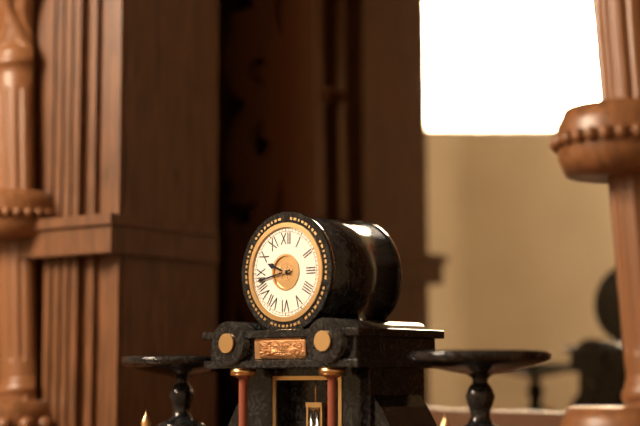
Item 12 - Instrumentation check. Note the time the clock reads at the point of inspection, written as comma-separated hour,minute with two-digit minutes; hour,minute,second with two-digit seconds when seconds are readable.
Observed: 9,43
